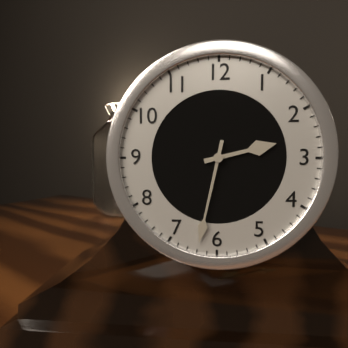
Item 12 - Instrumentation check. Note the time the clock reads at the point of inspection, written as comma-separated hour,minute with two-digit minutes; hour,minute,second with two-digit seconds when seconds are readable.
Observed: 2,32
